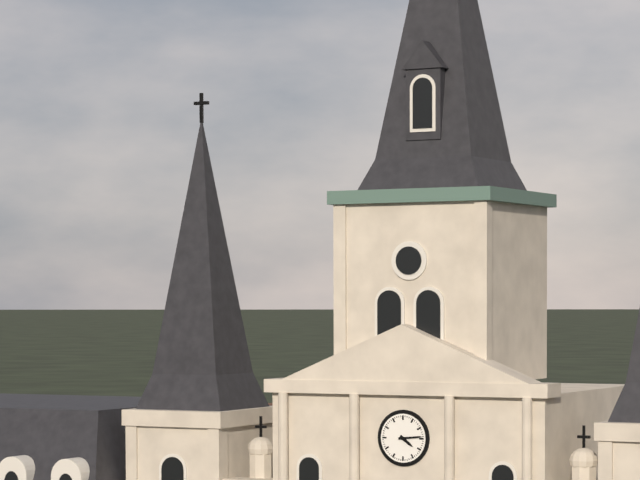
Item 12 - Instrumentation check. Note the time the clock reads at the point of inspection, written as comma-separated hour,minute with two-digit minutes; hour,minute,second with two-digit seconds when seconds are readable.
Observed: 4,14
